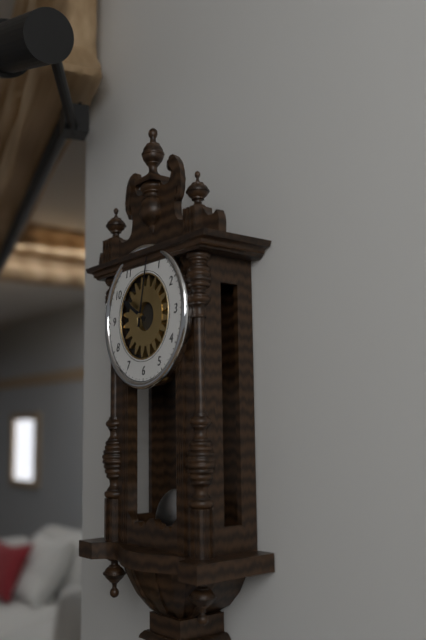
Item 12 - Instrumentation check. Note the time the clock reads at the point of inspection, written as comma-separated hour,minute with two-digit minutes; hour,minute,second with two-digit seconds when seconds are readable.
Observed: 10,02
